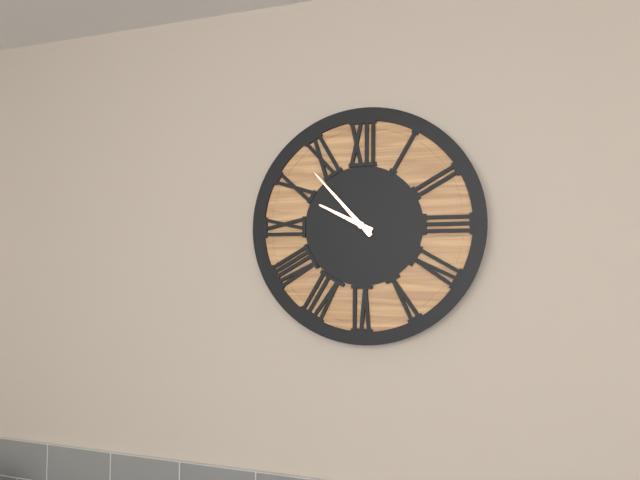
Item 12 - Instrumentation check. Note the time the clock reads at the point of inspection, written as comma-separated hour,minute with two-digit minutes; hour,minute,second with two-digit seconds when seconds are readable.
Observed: 9,53
